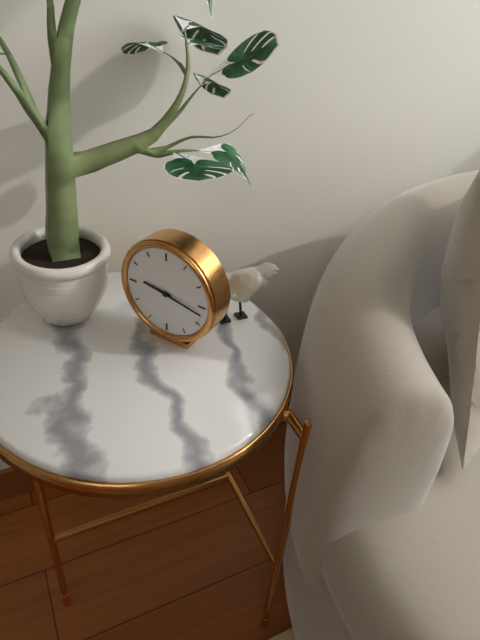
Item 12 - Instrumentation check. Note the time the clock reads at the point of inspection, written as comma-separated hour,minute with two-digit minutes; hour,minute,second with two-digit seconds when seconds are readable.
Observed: 9,17
